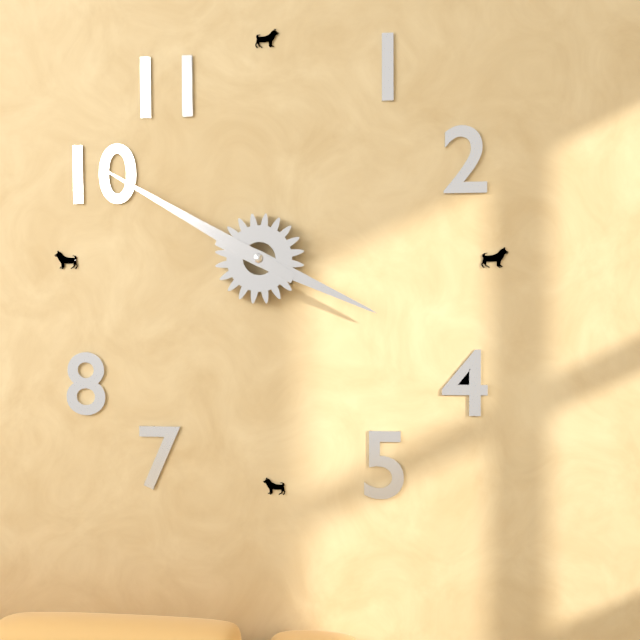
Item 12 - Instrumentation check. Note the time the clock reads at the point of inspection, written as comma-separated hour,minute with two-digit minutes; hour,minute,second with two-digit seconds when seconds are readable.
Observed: 3,50
